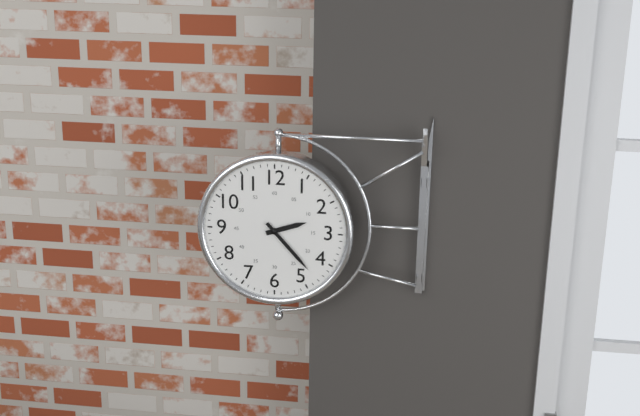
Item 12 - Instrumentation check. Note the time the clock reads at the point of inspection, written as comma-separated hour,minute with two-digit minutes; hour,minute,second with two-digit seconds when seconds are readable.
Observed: 2,23
